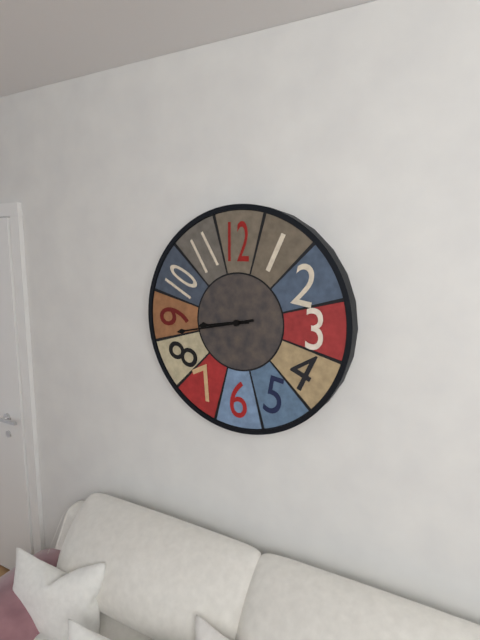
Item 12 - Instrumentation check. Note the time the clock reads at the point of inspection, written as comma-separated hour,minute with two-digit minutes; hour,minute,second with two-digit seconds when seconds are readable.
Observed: 8,43
